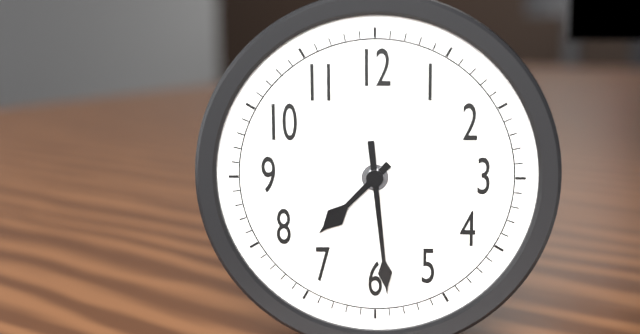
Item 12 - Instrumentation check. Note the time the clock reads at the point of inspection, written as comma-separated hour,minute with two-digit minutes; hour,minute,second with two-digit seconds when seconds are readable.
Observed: 7,29
